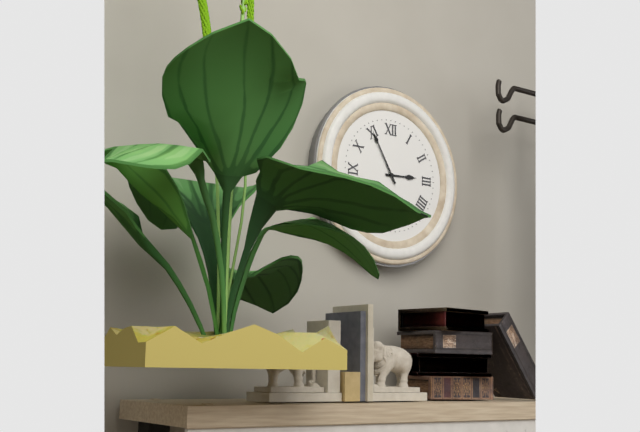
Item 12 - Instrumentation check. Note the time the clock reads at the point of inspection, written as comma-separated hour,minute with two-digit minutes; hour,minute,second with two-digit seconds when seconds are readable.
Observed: 2,55
